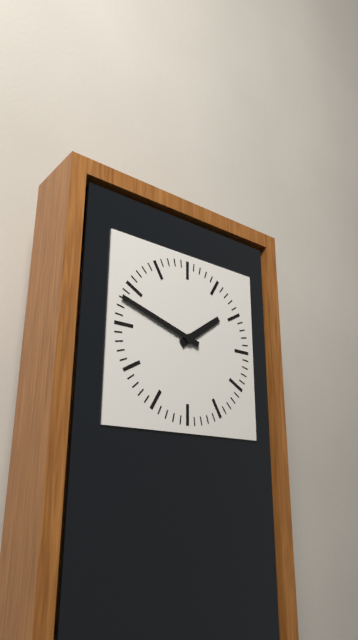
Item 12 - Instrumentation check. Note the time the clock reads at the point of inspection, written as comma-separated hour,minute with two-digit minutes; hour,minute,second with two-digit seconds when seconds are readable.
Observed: 1,48
